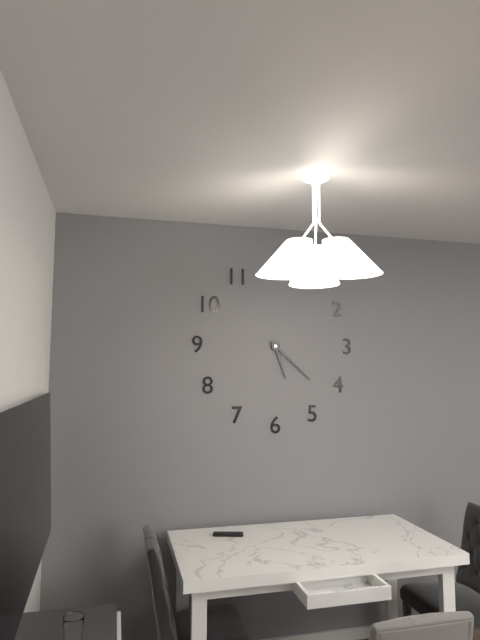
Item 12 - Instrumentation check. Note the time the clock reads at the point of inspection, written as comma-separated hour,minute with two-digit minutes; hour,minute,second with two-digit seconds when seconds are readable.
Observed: 5,22
